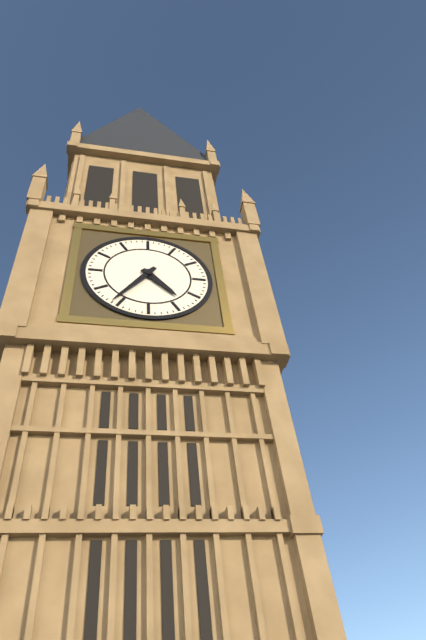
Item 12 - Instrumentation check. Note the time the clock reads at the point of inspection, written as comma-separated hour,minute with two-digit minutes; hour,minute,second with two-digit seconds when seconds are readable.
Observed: 4,36
